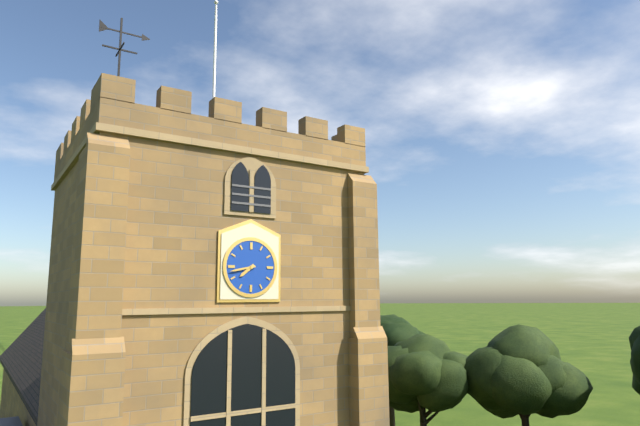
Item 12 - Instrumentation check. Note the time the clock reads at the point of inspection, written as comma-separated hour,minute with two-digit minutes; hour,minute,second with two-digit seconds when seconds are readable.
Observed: 7,43
